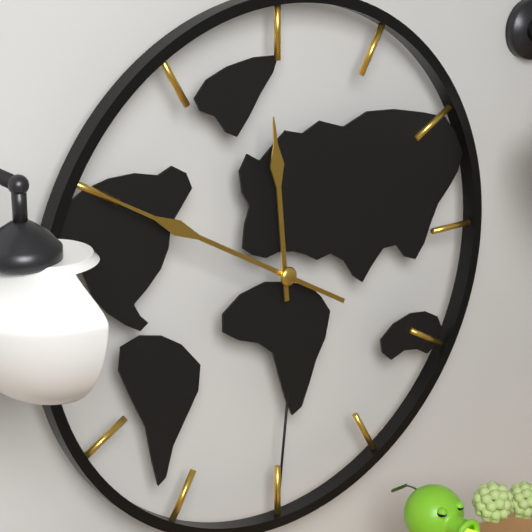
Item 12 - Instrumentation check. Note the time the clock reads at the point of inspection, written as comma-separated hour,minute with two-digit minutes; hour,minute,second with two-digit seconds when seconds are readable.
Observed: 11,50
